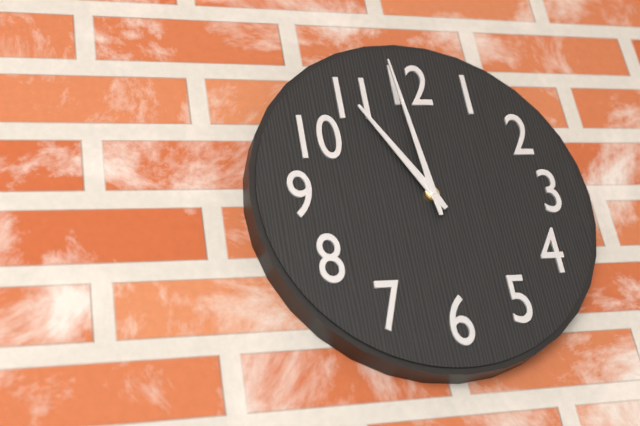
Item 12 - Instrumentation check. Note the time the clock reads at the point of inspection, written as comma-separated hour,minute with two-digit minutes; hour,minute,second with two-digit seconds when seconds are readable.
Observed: 10,59
